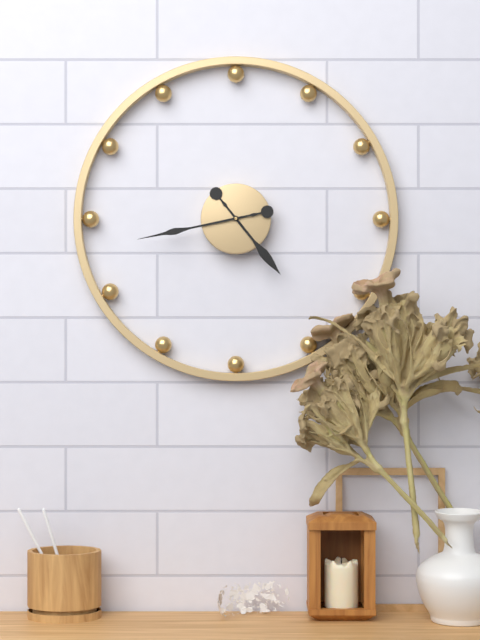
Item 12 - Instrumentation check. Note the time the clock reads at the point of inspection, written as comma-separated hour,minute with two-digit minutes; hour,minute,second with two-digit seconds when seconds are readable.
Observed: 4,43
